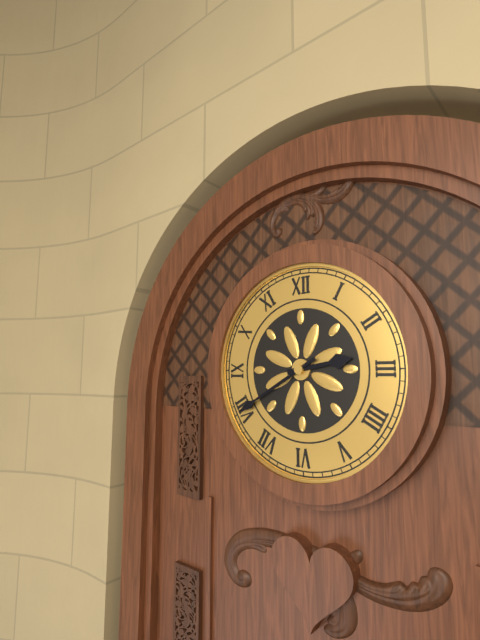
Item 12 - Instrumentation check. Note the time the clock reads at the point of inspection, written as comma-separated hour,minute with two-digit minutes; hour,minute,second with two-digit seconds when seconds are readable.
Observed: 2,40
